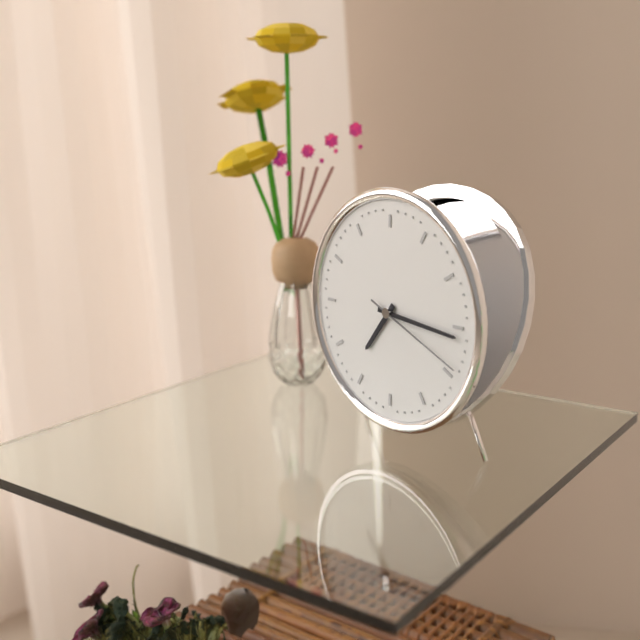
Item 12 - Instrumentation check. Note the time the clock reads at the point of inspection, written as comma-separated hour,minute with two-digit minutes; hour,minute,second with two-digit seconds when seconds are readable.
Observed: 7,16,19
